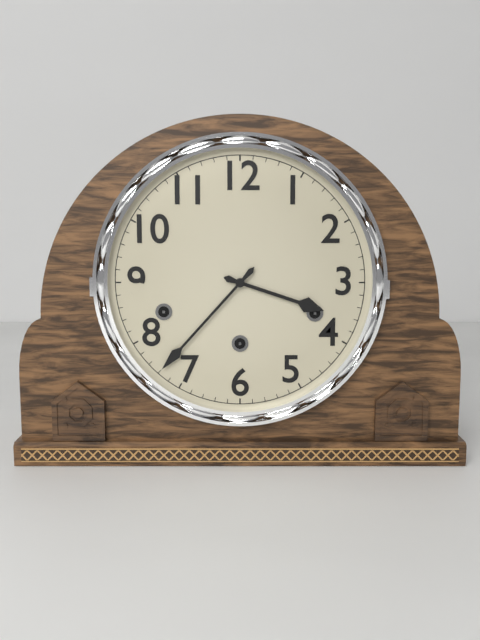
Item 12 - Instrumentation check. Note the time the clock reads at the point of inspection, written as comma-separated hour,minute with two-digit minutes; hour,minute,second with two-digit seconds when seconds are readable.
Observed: 3,37
